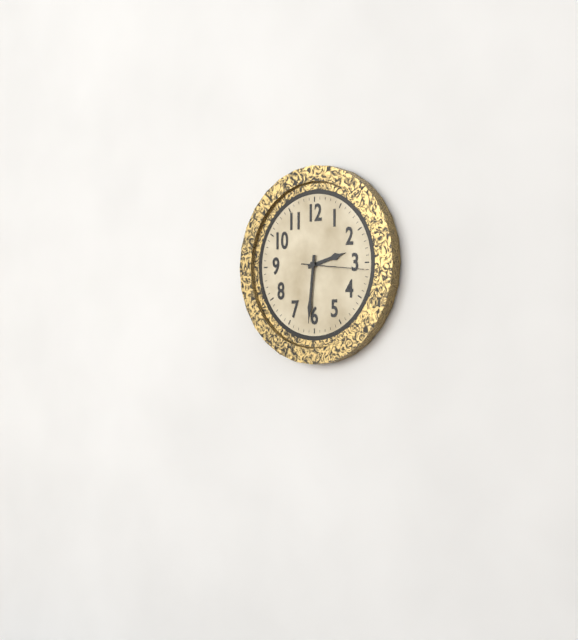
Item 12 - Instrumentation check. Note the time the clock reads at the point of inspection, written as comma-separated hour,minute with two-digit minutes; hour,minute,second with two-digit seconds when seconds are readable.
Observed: 2,31,16
